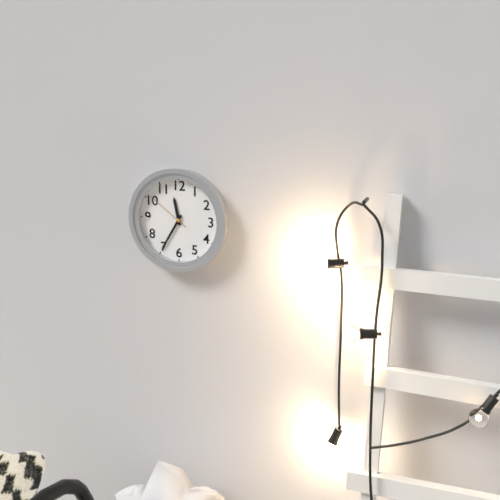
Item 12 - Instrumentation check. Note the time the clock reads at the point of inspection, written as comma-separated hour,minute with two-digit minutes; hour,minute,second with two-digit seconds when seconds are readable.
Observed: 11,35,51
